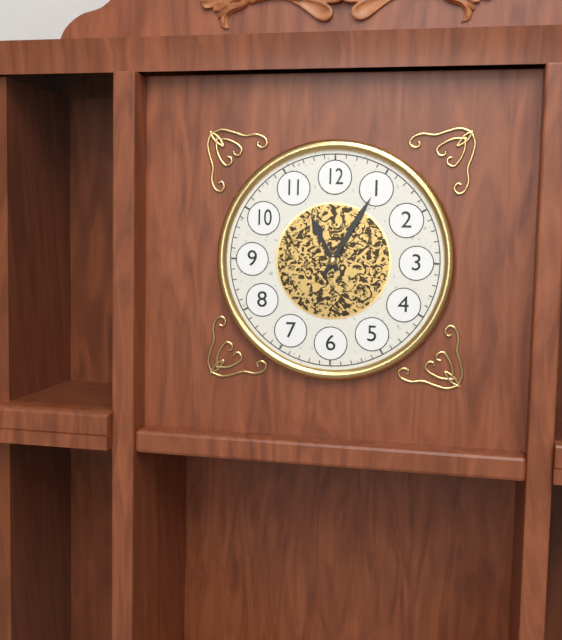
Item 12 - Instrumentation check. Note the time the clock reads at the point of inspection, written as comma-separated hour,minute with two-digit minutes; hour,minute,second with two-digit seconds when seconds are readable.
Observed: 11,05
